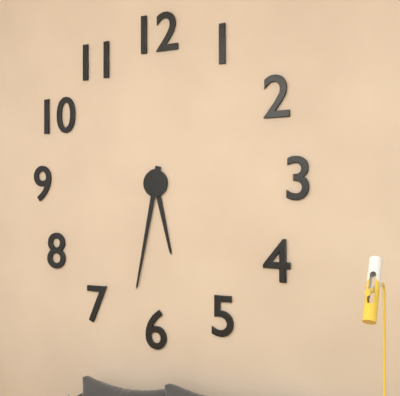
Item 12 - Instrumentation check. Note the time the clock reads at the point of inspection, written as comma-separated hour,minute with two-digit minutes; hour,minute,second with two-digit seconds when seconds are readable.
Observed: 5,32
